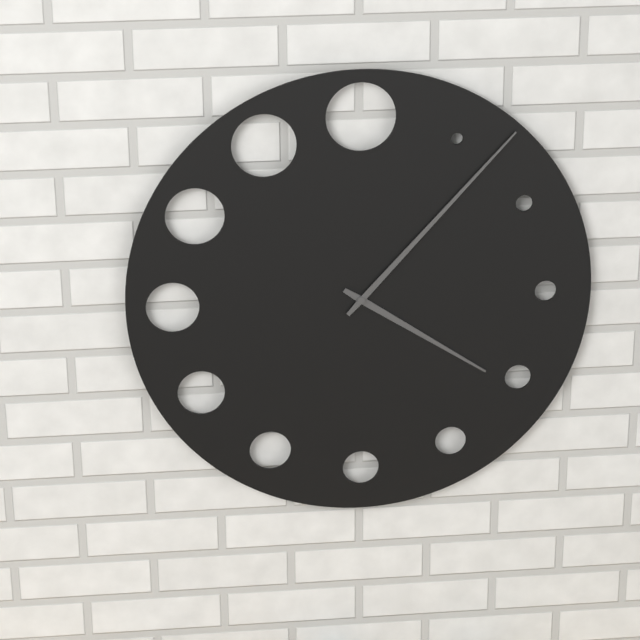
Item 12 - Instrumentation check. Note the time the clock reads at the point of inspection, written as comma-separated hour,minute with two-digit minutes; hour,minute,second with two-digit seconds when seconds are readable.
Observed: 4,07
